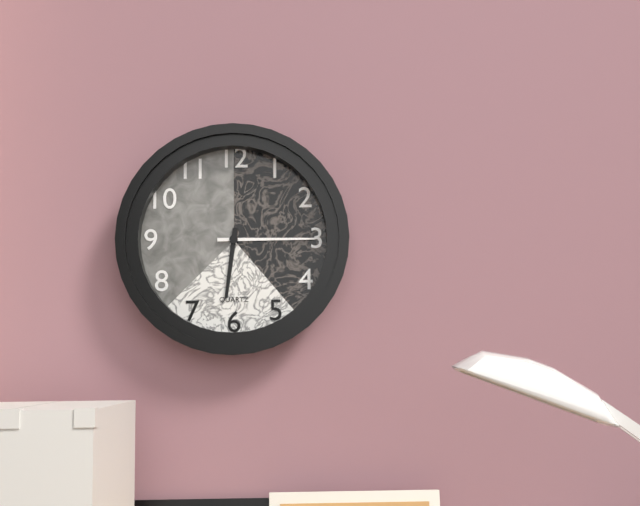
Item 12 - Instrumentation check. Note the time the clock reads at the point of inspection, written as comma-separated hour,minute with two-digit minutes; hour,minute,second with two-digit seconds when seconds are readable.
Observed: 6,15
